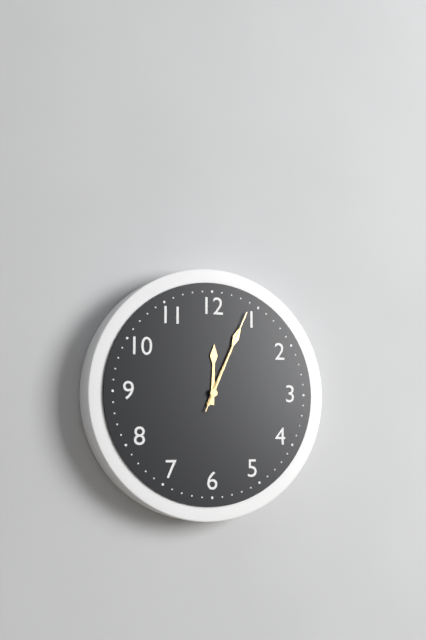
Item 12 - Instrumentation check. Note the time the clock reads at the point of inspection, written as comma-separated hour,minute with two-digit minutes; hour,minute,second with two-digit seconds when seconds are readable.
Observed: 12,04,04
